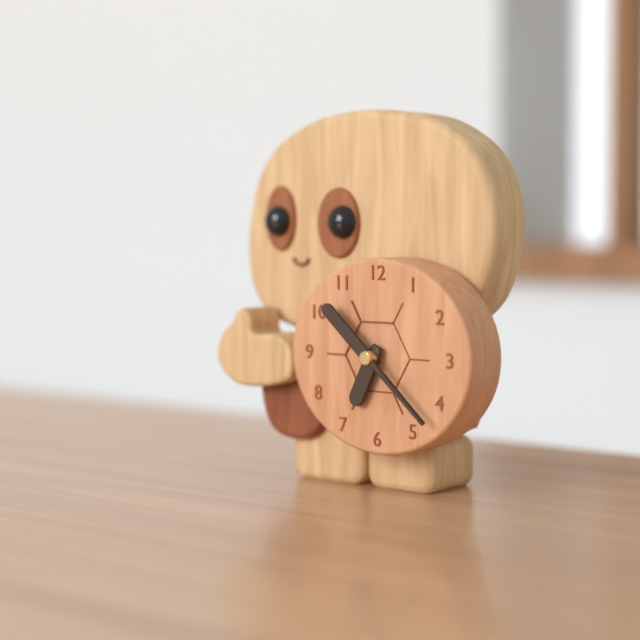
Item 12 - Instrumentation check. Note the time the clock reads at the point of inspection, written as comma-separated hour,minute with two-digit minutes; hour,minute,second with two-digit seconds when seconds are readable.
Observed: 6,52
